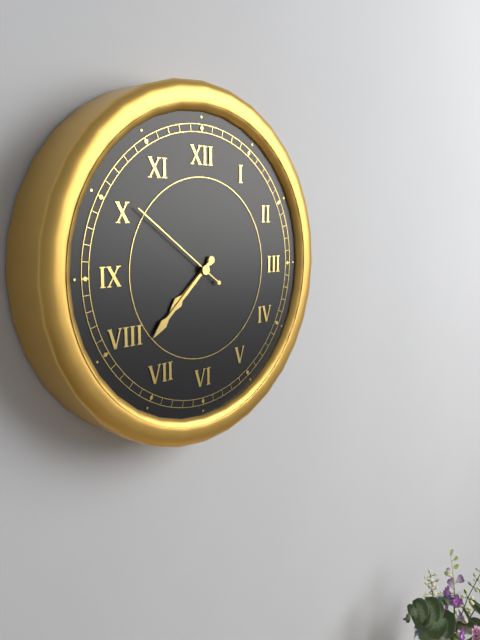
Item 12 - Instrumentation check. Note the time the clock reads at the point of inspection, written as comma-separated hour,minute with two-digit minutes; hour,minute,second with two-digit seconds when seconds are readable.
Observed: 7,38,51
